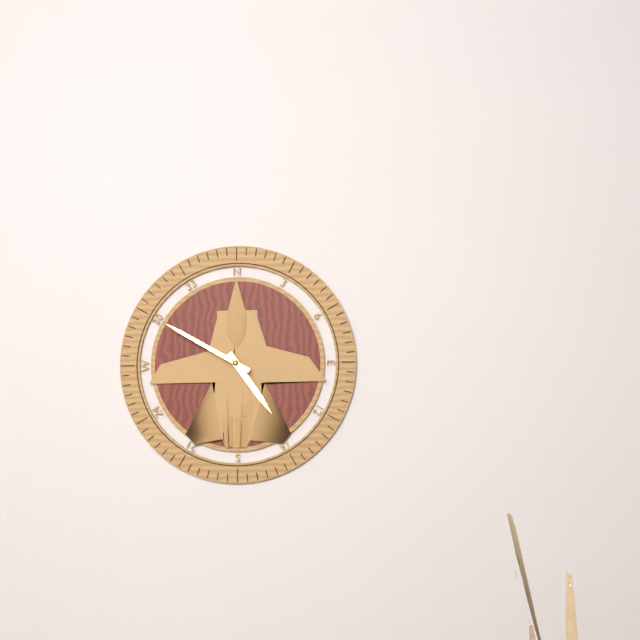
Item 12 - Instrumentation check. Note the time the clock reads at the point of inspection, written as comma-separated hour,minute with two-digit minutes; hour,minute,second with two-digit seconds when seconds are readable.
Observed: 4,50
